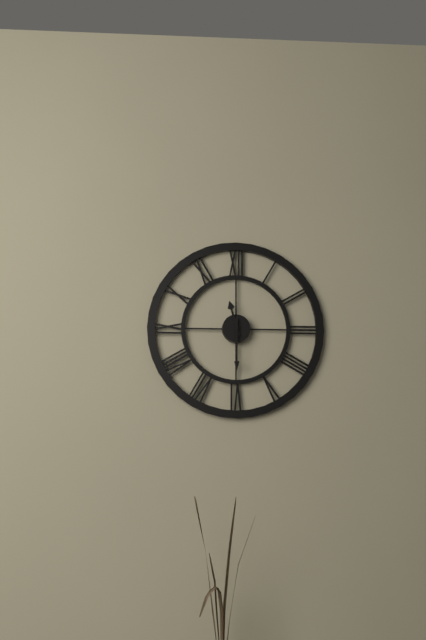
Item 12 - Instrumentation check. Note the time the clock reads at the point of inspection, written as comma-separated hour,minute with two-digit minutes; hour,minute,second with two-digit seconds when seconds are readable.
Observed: 11,30
